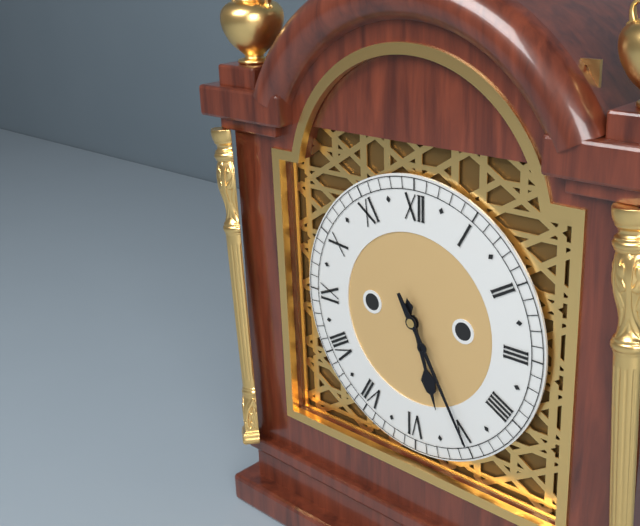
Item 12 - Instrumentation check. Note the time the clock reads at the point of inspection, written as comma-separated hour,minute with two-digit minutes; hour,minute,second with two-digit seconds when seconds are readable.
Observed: 5,25
